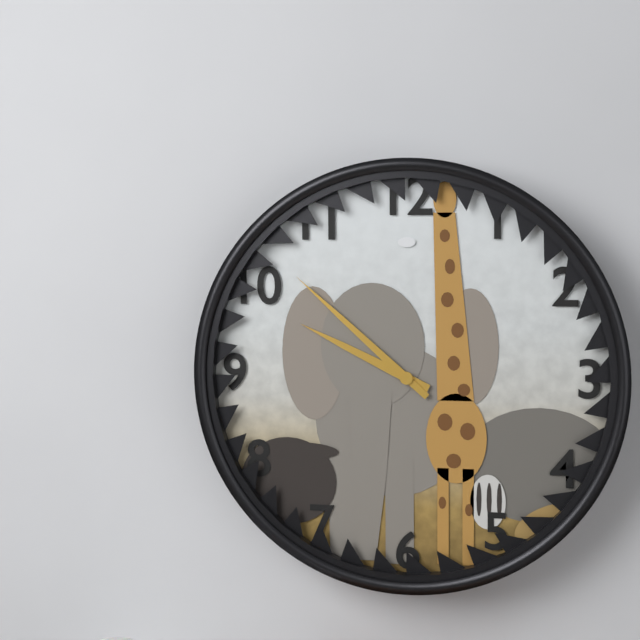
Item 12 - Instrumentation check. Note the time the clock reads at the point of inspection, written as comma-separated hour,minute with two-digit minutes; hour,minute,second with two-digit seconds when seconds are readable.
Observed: 9,52
